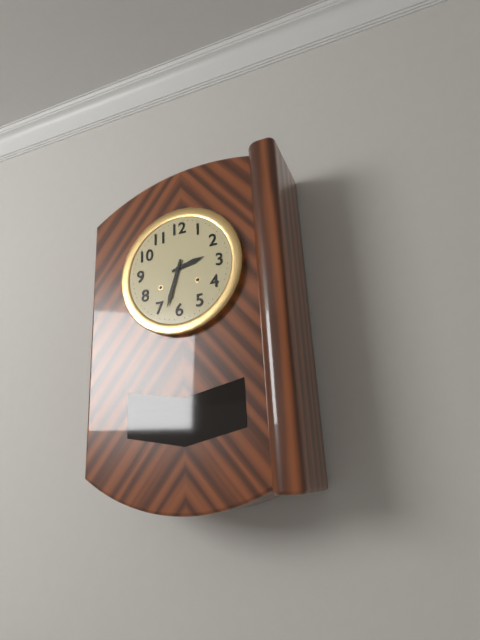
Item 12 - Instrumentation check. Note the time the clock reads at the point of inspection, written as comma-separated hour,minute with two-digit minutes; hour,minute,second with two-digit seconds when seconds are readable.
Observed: 2,33
